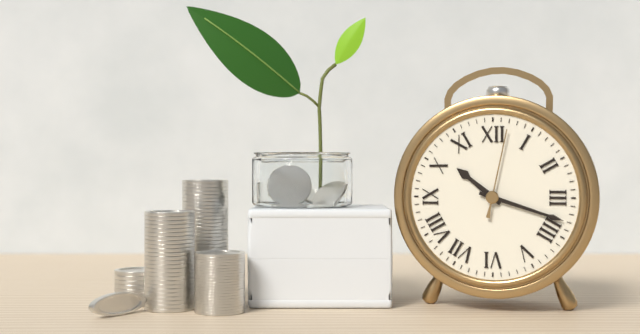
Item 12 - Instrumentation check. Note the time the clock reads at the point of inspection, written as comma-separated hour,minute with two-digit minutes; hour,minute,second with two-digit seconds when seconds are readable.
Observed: 10,18,02
